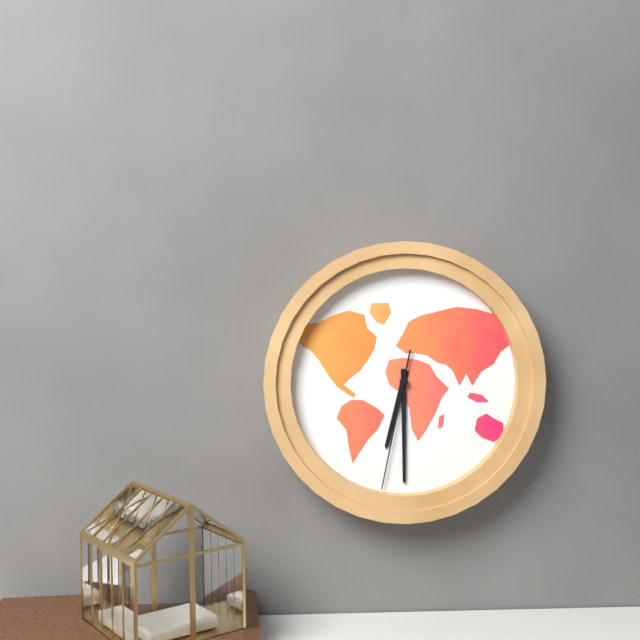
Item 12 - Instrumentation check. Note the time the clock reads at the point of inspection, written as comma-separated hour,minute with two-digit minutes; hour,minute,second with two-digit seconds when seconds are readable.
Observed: 6,30,32
